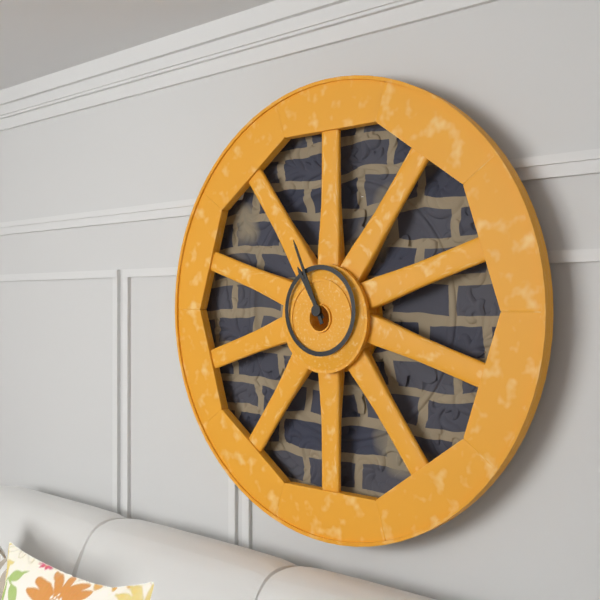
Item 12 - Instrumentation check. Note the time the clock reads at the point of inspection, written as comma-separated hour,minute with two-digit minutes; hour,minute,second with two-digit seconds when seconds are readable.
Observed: 10,56
